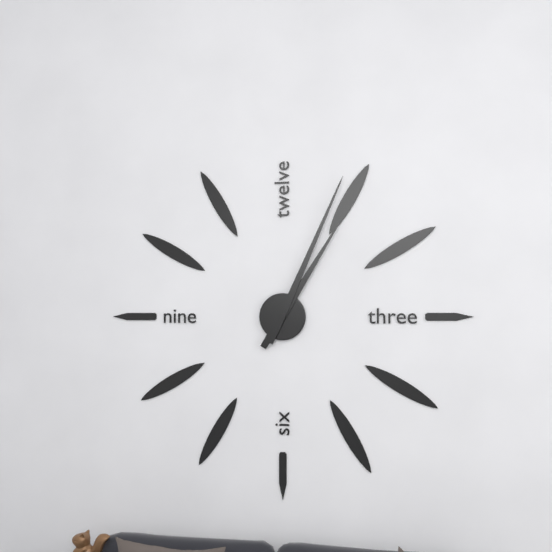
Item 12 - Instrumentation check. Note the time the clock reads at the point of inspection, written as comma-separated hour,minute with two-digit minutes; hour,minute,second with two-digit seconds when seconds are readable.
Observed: 1,04
